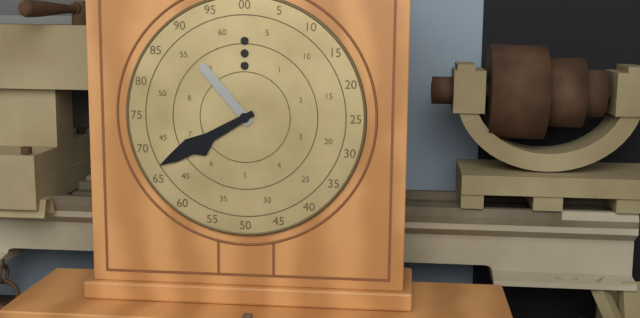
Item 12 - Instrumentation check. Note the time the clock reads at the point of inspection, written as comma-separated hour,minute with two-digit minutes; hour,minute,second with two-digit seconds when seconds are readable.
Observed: 10,40
